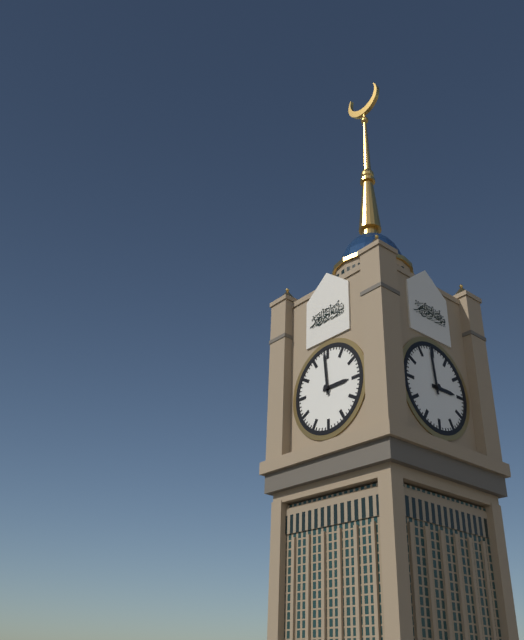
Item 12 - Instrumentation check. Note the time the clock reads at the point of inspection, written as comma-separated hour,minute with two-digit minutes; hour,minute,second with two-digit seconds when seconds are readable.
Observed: 2,59
